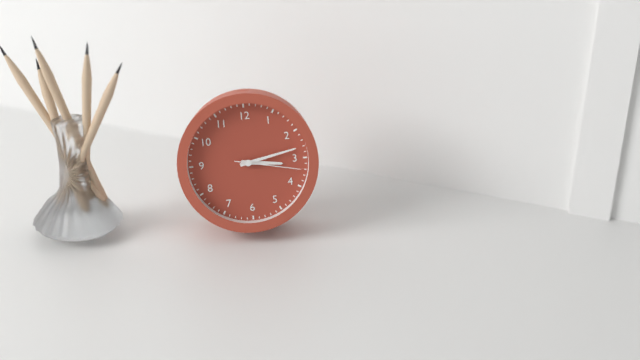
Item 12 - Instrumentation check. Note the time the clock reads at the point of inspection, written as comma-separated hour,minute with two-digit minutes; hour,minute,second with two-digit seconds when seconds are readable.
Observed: 3,13,17
